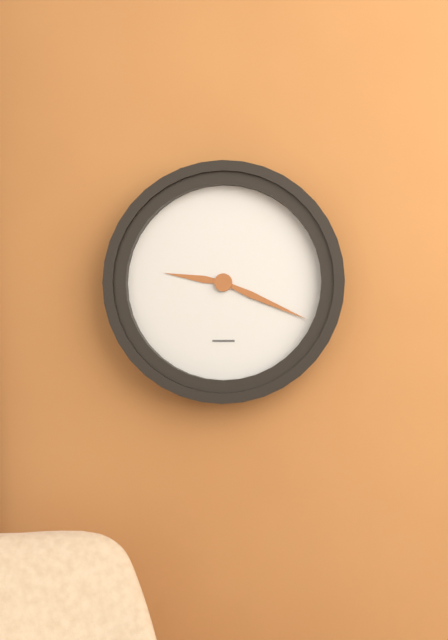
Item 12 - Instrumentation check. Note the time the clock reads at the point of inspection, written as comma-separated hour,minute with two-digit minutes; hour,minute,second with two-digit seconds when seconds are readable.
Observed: 9,19
